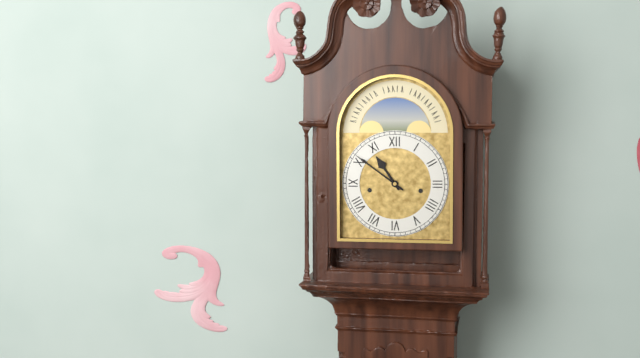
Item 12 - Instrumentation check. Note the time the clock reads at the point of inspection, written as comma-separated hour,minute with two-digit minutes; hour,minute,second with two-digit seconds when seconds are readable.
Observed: 10,51
